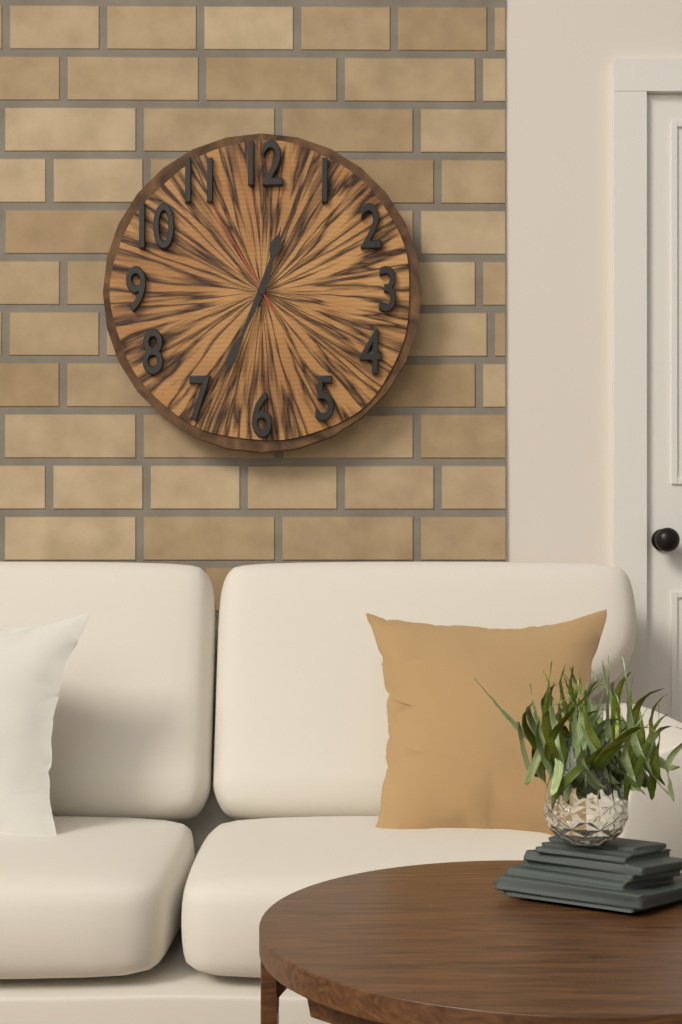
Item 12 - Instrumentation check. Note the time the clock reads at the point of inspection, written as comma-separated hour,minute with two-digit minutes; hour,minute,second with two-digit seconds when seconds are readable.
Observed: 12,34,55
